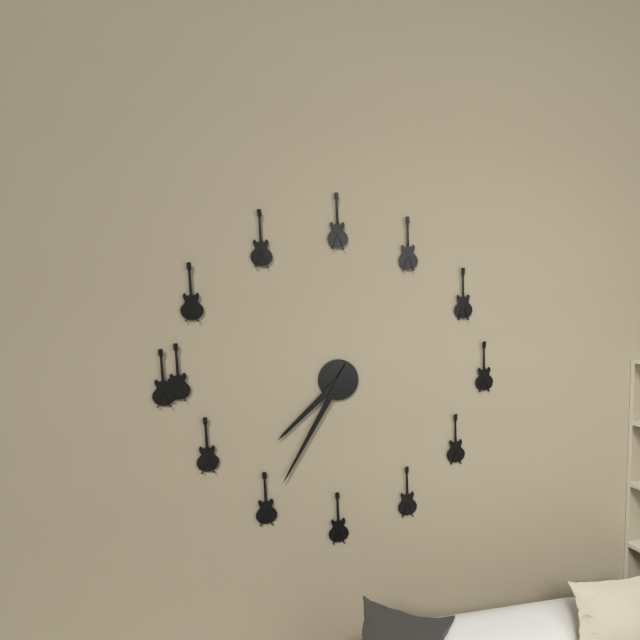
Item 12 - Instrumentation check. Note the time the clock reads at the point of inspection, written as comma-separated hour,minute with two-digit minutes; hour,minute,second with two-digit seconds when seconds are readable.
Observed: 7,35
